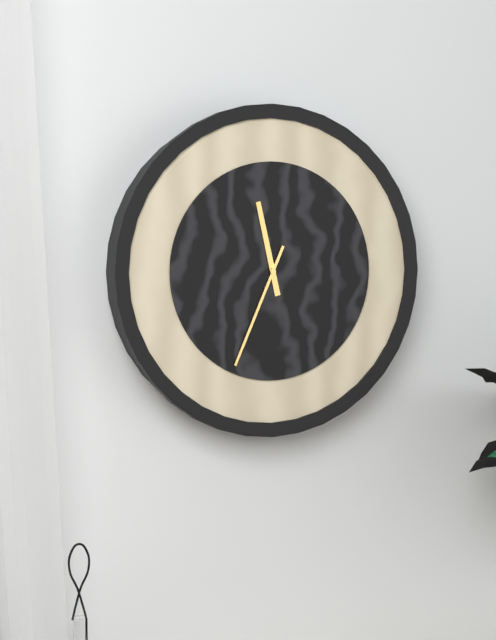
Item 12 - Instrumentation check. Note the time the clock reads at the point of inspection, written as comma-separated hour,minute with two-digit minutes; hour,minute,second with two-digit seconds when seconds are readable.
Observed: 11,34
